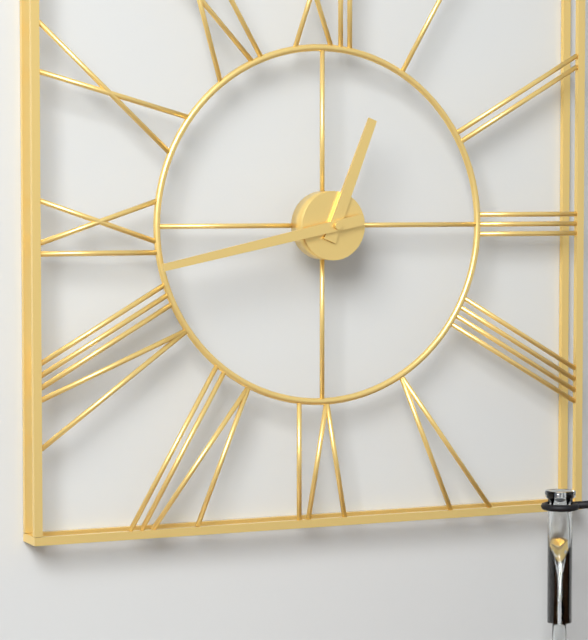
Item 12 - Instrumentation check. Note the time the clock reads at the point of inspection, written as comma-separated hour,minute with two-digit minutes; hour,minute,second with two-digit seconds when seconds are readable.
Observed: 12,43
